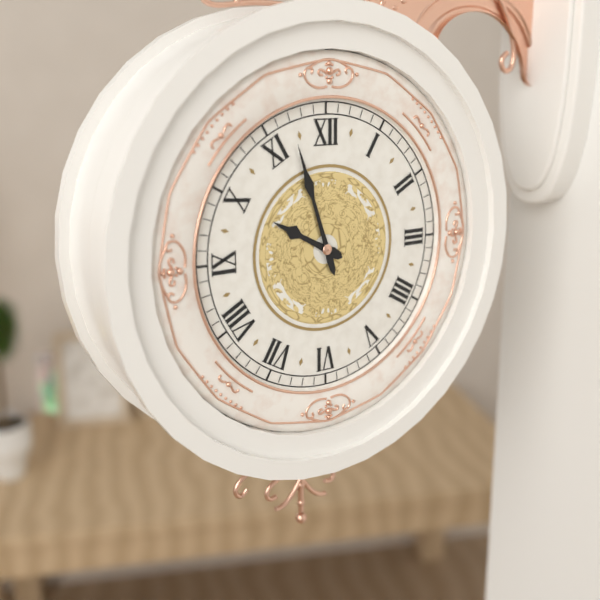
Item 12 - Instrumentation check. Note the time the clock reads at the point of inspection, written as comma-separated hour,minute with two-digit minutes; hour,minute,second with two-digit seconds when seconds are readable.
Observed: 9,57
